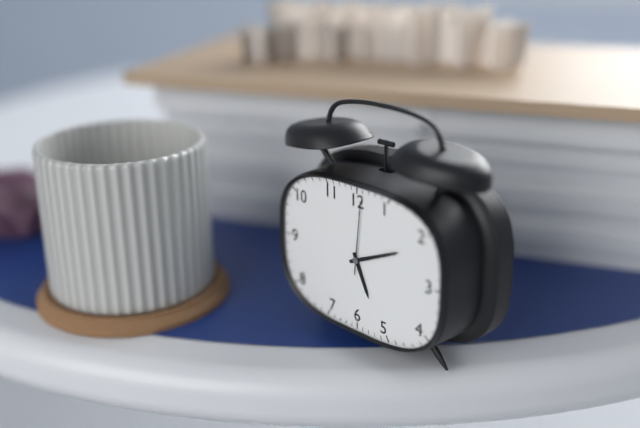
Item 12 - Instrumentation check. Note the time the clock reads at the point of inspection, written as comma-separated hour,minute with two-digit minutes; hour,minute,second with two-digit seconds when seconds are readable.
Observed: 5,11,01
